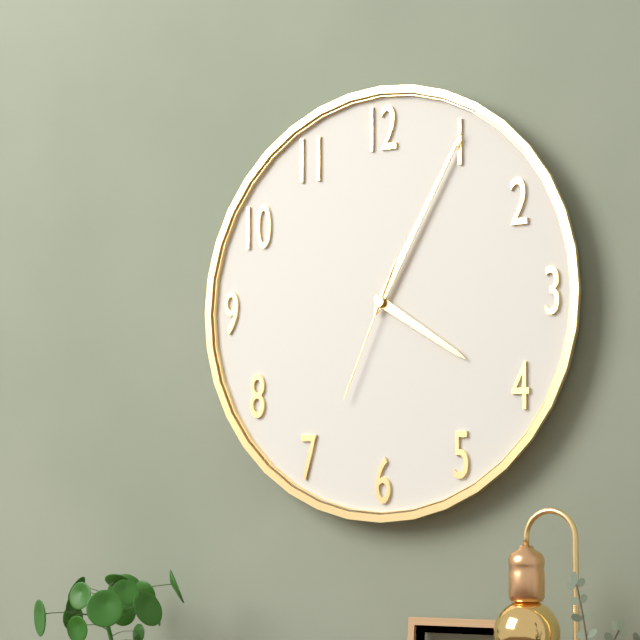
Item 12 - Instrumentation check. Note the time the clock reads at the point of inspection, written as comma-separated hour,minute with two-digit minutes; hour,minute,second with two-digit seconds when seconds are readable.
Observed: 4,05,34
